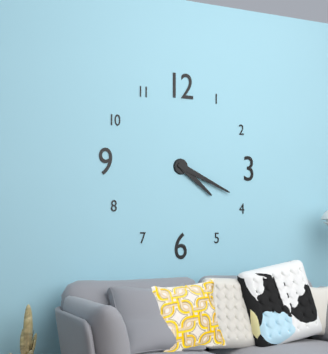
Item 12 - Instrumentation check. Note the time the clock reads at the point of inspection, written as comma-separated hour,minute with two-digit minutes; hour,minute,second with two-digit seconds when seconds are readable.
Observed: 4,19
